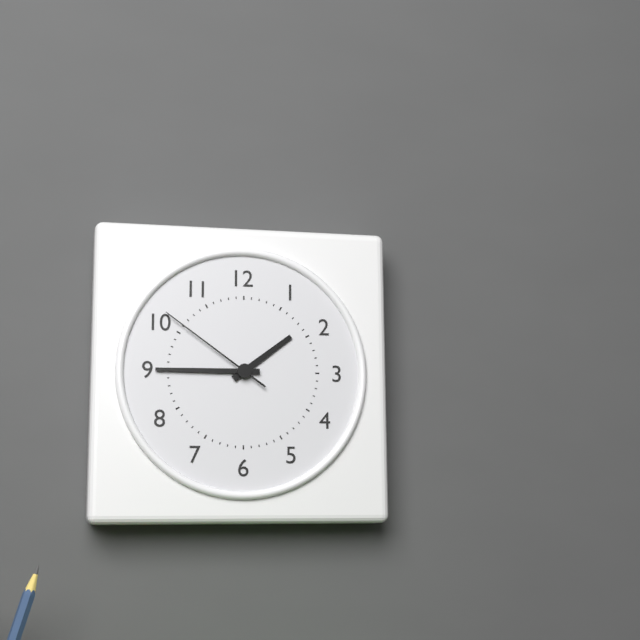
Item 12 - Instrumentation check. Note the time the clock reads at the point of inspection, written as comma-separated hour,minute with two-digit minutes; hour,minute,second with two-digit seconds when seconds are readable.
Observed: 1,45,51
